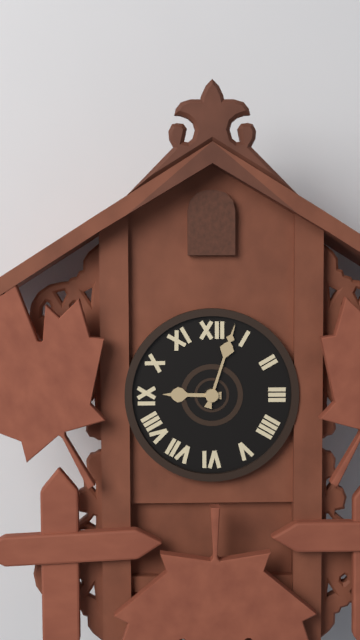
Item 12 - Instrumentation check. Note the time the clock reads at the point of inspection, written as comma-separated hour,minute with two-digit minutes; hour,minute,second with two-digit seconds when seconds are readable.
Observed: 9,03
